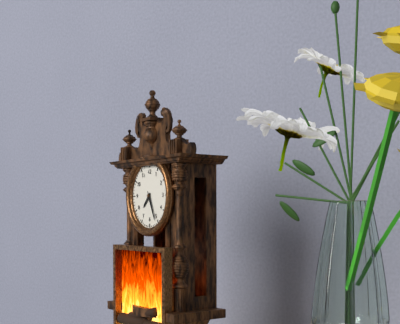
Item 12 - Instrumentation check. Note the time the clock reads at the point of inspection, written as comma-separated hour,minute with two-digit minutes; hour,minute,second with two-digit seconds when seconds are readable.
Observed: 7,26
